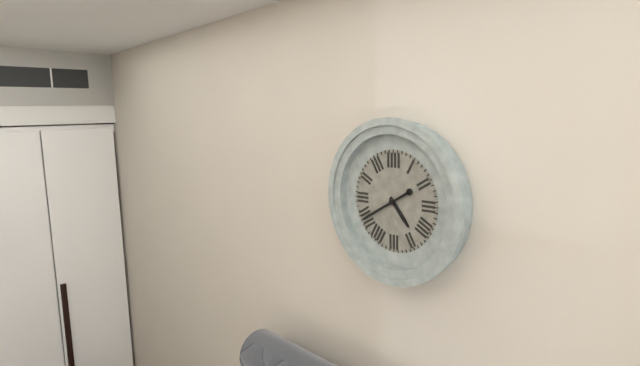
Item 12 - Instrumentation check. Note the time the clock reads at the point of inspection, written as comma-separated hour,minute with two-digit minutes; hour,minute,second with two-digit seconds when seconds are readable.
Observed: 4,40
